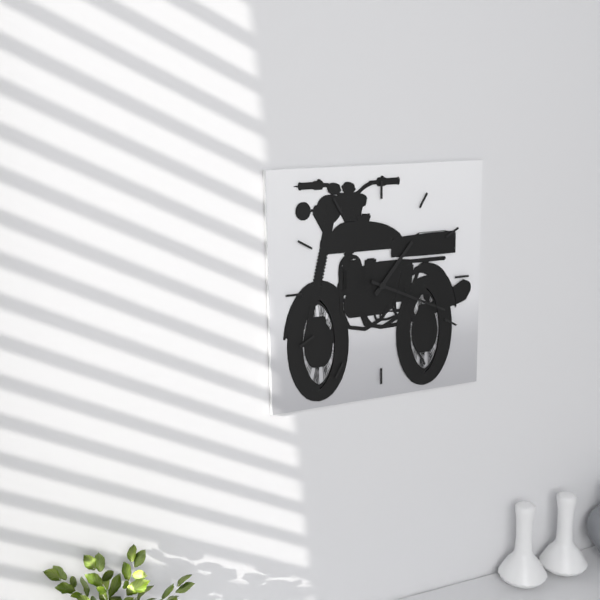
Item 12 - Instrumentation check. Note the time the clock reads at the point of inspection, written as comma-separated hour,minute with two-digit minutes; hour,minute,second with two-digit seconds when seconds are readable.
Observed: 1,19
